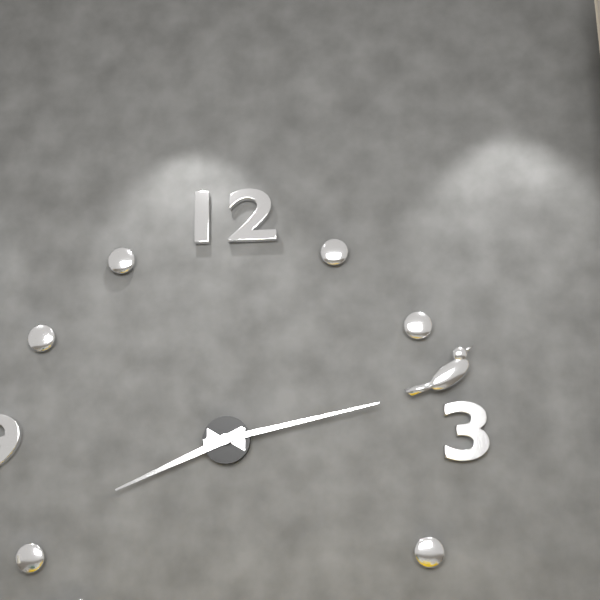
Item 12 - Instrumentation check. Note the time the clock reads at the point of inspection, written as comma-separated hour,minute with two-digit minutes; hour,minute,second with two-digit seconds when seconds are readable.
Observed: 8,13
